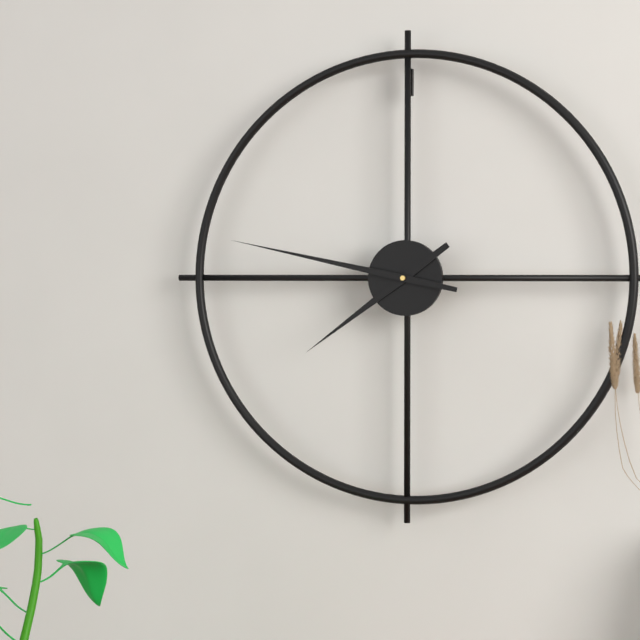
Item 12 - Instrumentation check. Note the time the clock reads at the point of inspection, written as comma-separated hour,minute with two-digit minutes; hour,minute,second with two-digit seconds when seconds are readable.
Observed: 7,47
